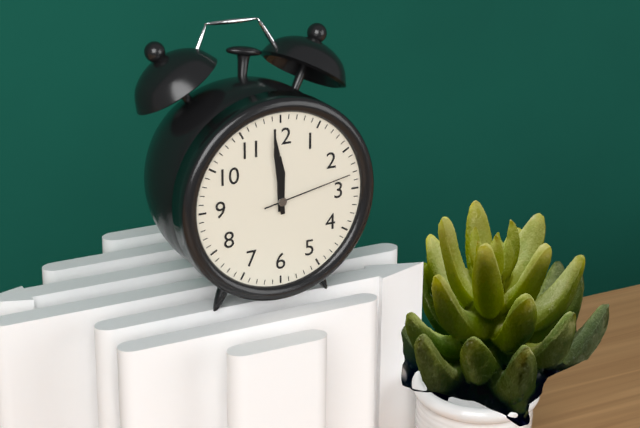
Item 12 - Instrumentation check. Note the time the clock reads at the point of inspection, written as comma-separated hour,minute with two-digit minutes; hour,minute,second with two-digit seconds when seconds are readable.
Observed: 11,59,13
